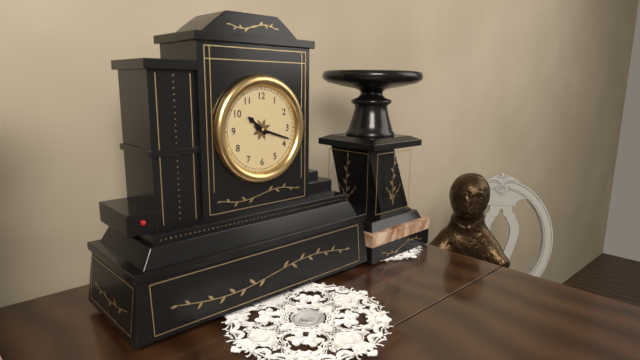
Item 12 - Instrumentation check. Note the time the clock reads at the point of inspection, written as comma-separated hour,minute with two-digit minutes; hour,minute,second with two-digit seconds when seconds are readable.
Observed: 10,18
